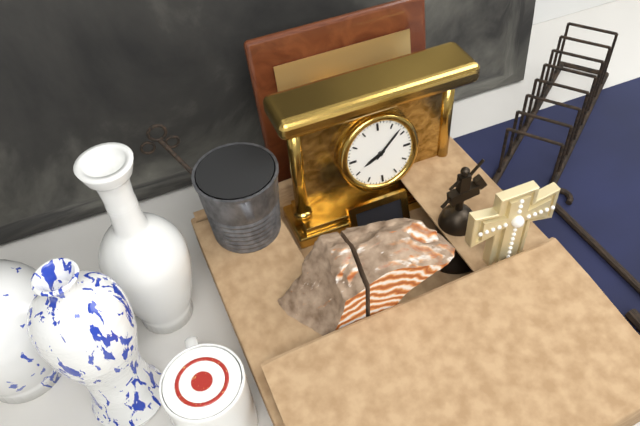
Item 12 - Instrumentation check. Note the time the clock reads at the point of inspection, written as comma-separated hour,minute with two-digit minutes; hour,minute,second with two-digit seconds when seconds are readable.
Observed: 8,08
